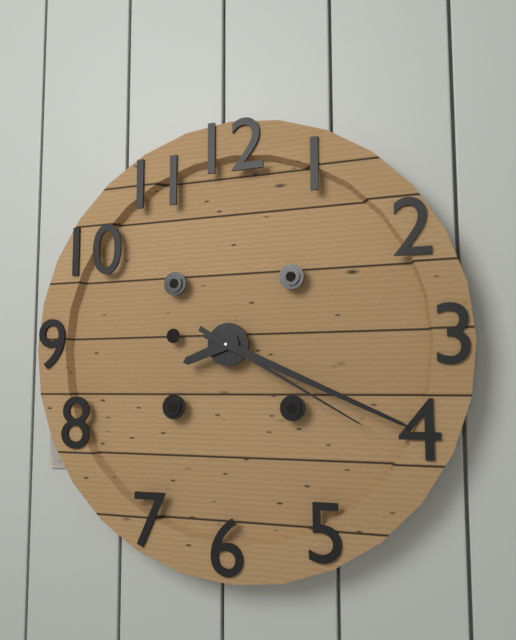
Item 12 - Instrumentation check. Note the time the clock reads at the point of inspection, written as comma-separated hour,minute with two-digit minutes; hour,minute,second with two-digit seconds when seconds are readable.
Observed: 8,19,20
